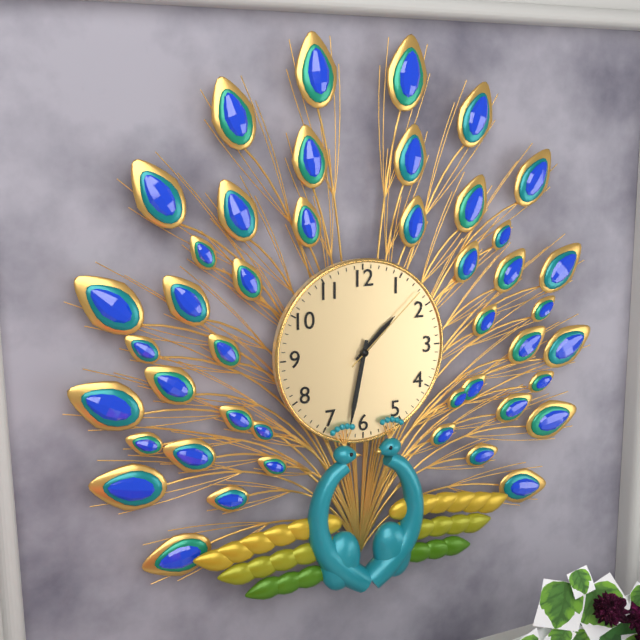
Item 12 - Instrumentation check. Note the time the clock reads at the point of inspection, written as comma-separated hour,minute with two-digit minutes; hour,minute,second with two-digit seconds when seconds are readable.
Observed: 1,32,08
